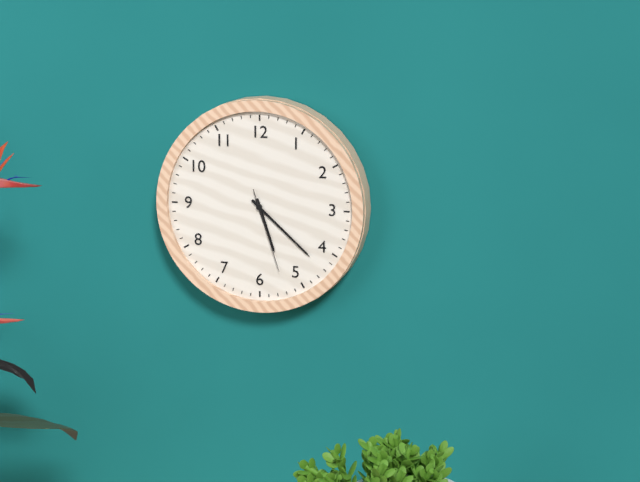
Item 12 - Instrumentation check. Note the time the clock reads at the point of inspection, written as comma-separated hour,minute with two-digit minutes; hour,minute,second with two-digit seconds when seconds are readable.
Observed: 5,22,27
